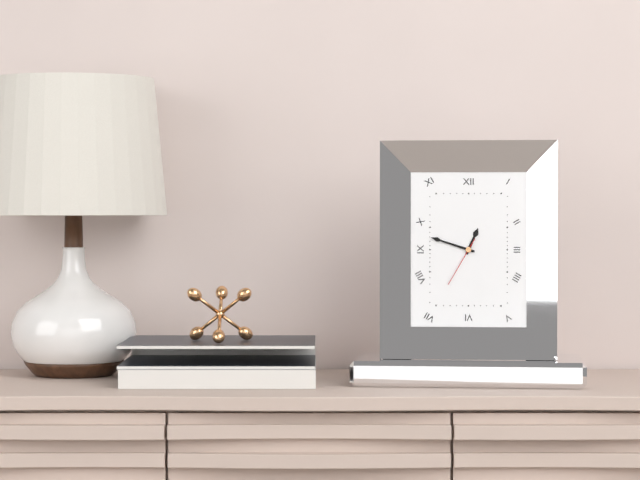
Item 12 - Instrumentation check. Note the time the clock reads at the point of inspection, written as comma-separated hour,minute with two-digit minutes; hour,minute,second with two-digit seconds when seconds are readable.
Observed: 12,48,35
